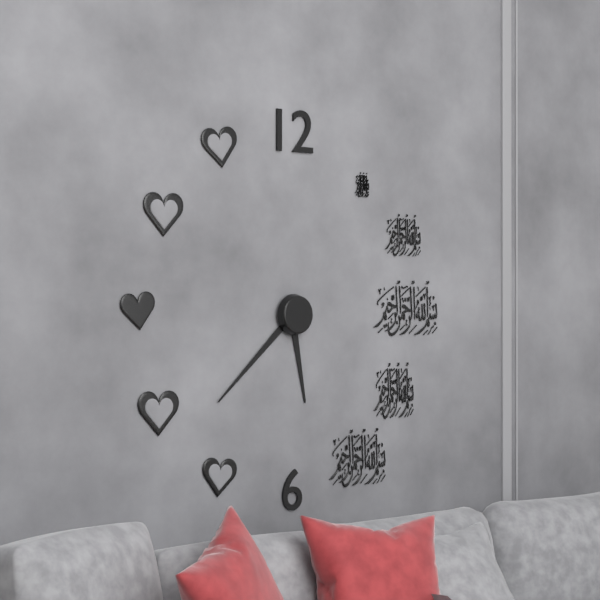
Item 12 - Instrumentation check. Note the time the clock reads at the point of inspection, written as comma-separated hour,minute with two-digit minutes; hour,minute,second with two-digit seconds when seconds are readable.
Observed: 5,38
